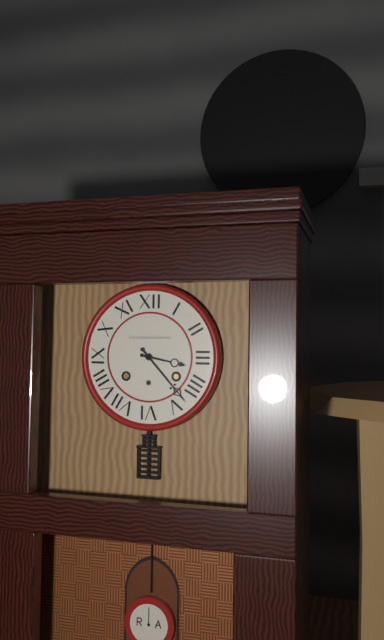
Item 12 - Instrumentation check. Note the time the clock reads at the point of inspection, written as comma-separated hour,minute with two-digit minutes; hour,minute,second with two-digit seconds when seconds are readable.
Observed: 3,23
